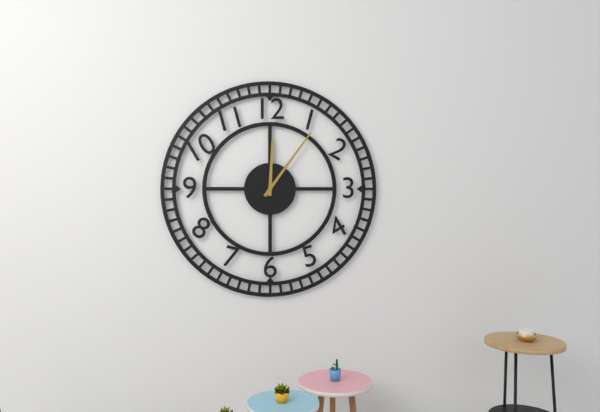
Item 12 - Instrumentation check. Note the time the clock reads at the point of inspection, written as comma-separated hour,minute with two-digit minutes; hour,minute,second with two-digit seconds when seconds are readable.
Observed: 12,06
